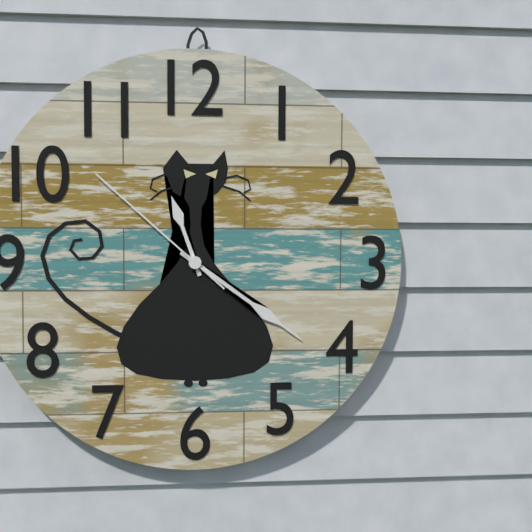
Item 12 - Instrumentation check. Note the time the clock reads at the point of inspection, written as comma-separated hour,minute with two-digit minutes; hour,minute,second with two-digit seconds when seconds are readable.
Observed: 11,21,52
